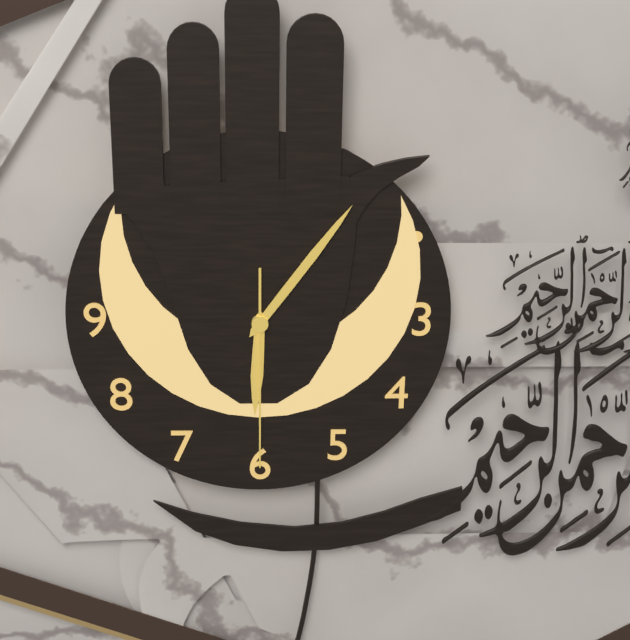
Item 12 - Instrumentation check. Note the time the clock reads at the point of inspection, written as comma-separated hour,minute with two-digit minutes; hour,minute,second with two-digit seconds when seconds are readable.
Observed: 6,06,30
